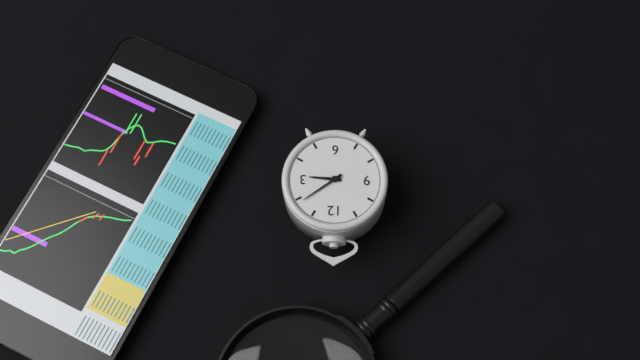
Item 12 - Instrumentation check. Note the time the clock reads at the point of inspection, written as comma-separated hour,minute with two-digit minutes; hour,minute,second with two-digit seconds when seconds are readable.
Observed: 3,09
